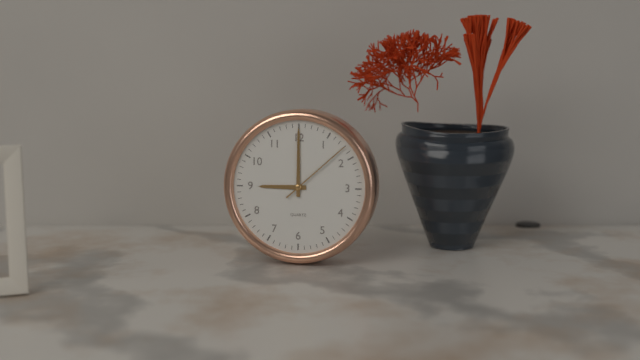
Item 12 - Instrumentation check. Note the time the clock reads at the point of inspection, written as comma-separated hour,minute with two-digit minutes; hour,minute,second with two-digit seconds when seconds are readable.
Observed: 9,00,08
